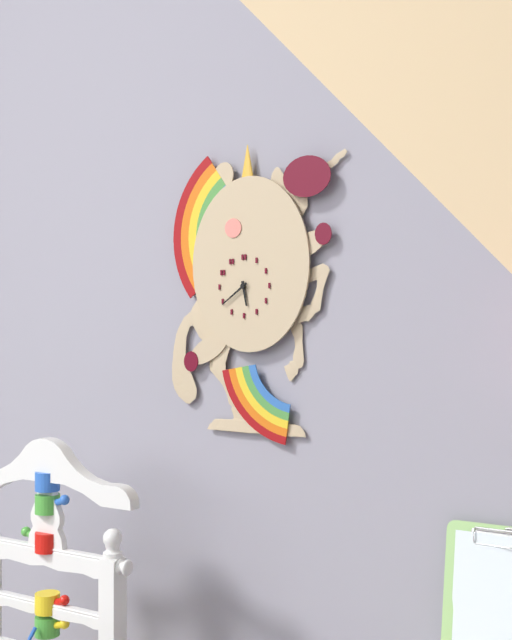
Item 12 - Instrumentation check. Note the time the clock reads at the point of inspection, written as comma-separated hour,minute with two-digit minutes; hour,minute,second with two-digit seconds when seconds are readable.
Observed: 5,39
